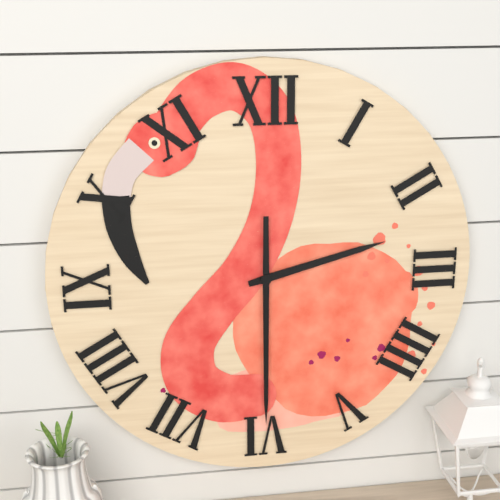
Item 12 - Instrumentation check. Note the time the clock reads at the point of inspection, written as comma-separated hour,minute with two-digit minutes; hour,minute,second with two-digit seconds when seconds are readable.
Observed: 2,30
